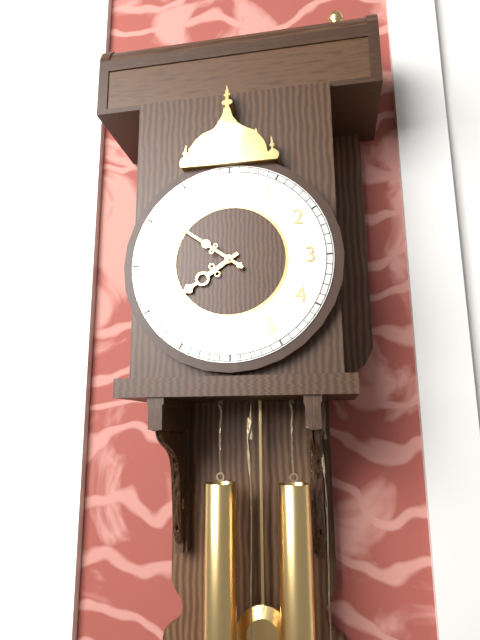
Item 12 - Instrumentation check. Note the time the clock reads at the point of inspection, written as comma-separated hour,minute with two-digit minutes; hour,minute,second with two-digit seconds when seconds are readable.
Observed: 7,51
